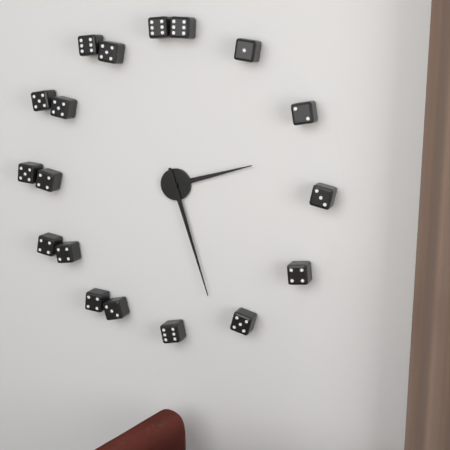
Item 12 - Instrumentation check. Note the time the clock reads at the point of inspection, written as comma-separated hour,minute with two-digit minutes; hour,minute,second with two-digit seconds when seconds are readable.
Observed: 2,27
